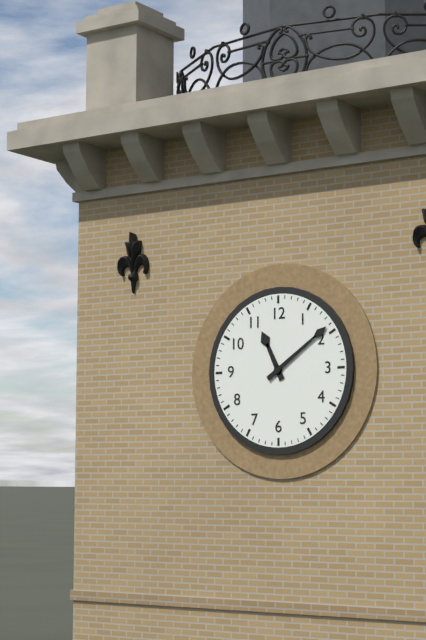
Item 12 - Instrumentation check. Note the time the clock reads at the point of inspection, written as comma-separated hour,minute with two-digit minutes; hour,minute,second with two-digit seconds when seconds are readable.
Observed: 11,09
